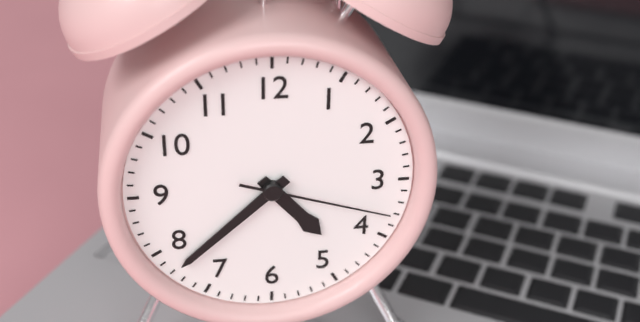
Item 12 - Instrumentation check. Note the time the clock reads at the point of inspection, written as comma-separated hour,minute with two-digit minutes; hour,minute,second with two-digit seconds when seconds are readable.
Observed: 4,38,18
